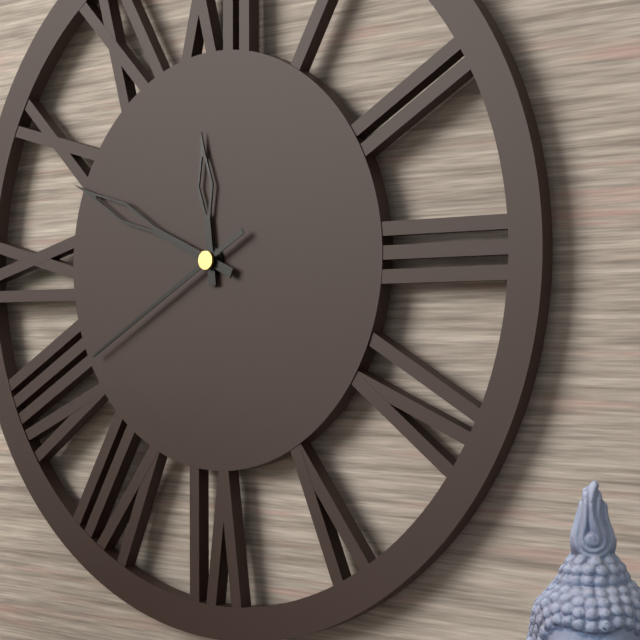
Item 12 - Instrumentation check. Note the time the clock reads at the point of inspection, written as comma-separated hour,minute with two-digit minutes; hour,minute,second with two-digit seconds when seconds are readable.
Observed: 11,49,40
